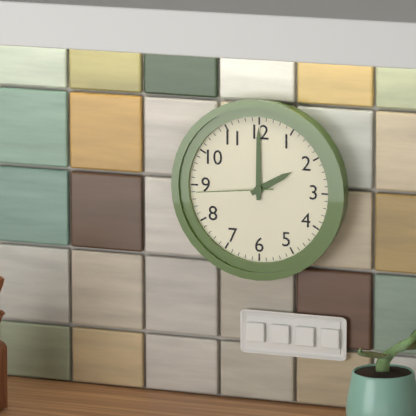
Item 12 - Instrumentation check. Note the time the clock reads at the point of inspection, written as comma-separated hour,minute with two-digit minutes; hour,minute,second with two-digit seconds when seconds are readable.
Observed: 2,00,44
